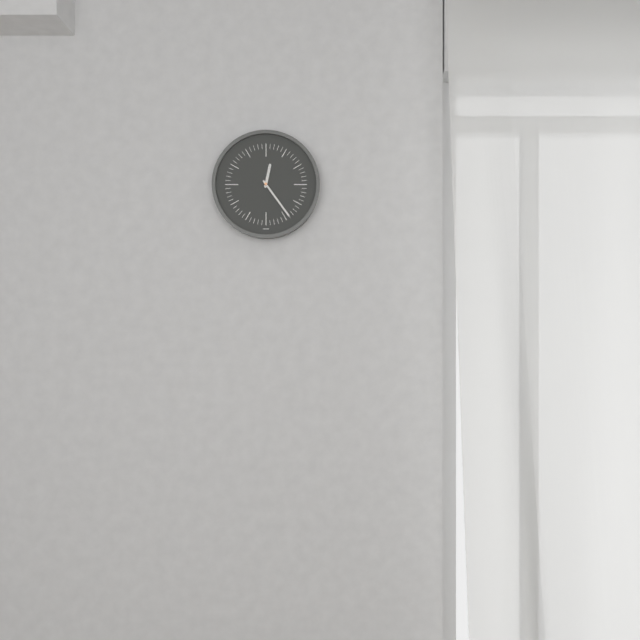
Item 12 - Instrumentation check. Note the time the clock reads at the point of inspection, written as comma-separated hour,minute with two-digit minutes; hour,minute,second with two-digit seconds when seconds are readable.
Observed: 12,24
